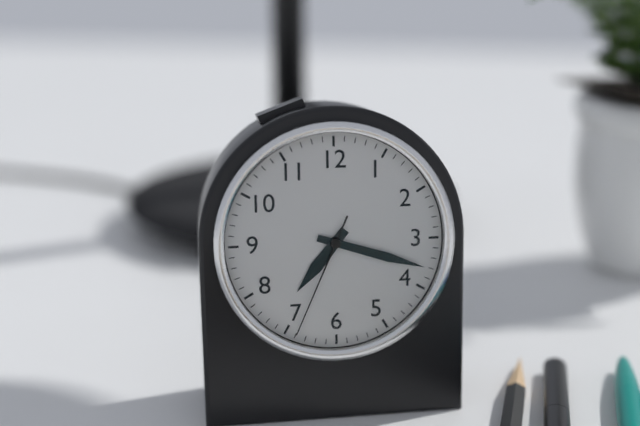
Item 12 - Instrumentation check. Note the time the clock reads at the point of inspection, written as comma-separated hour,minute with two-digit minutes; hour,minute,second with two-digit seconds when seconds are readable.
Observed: 7,18,34
